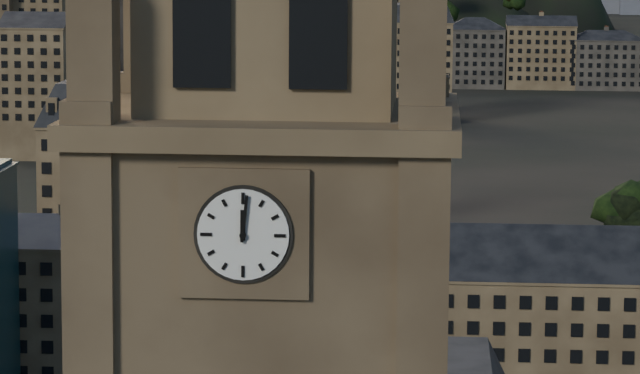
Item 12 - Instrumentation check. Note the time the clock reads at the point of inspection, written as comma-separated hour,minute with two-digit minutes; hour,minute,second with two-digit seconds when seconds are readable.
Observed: 12,01
